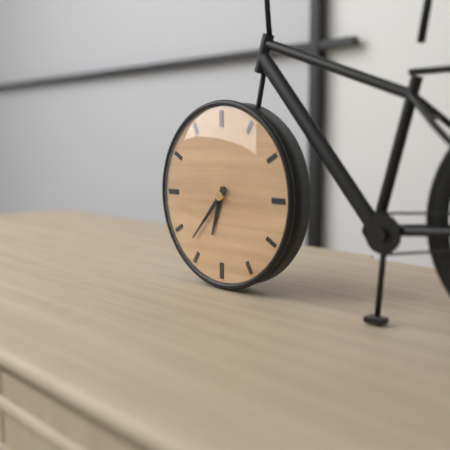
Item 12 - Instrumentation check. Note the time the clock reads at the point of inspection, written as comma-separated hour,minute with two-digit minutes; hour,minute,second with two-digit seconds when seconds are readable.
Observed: 6,37
